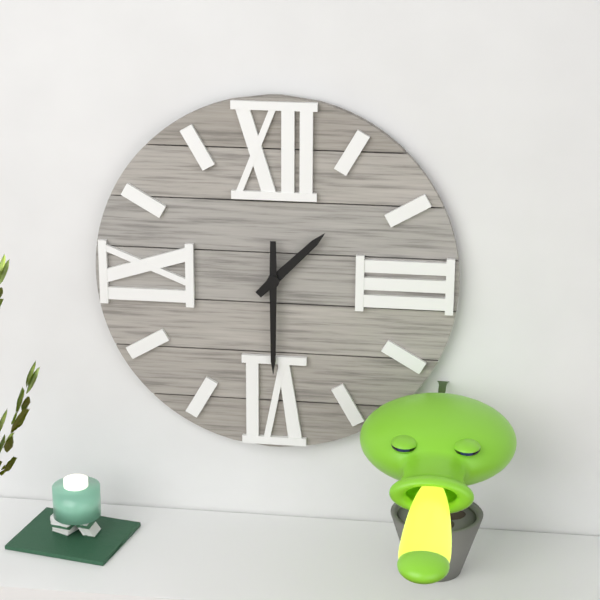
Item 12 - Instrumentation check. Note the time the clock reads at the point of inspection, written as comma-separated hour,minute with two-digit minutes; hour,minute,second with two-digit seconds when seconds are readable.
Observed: 1,30
